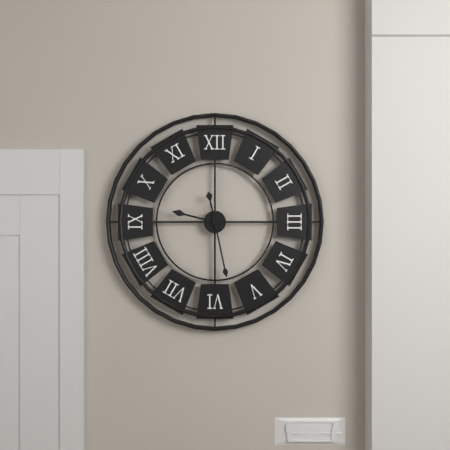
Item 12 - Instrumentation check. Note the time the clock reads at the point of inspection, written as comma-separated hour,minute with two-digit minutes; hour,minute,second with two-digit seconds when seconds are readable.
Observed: 9,28
